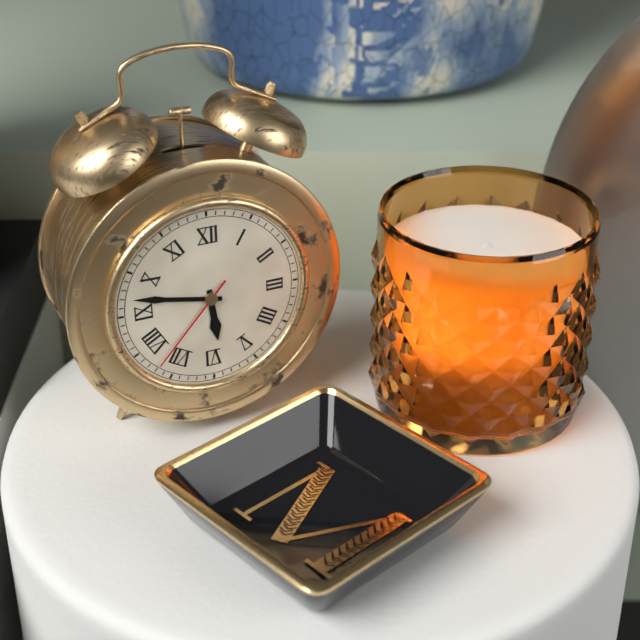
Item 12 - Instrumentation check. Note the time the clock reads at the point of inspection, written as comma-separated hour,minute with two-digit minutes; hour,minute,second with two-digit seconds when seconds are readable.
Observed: 5,47,37
